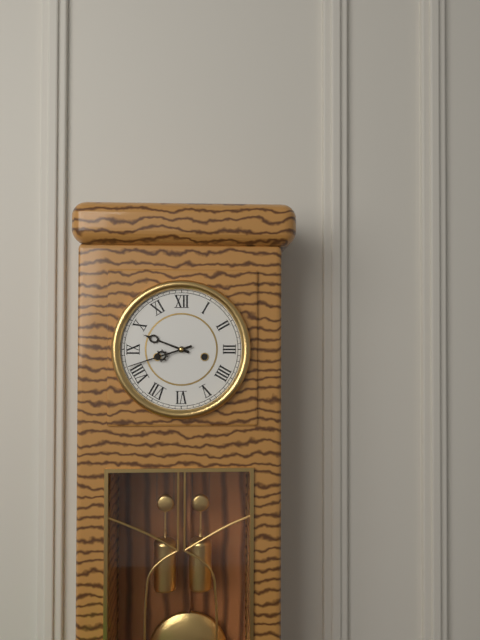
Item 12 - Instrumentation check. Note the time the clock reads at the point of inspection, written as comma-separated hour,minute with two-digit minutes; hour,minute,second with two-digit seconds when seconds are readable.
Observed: 9,42
